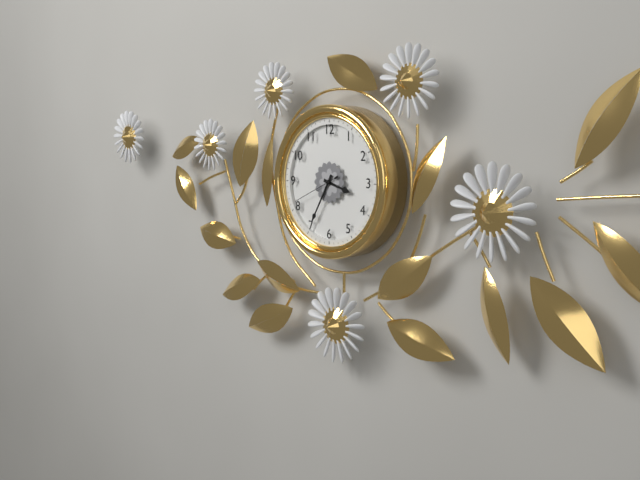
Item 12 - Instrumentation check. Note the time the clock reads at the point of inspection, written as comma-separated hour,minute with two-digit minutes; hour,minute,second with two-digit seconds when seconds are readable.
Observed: 3,35
